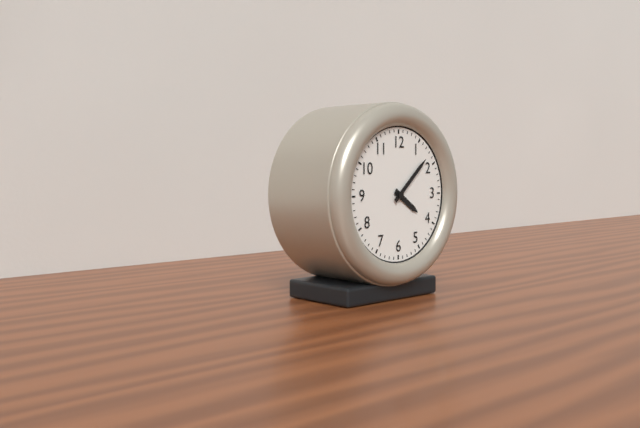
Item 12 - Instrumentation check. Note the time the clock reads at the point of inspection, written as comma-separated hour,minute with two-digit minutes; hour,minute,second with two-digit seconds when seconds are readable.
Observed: 4,08
